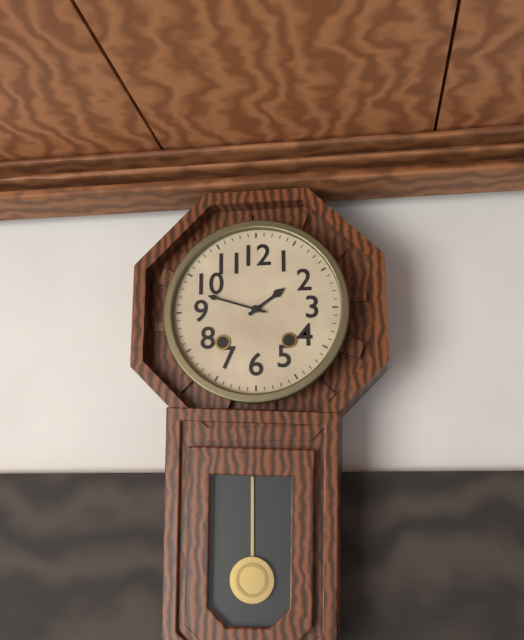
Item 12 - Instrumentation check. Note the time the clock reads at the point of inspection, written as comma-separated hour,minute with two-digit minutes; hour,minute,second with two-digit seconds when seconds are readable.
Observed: 1,48
